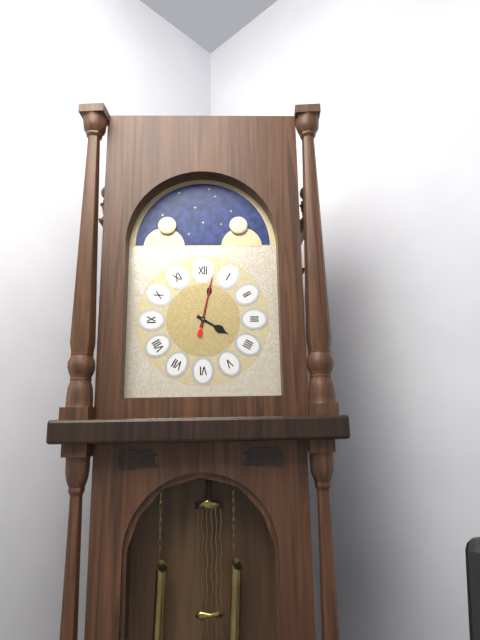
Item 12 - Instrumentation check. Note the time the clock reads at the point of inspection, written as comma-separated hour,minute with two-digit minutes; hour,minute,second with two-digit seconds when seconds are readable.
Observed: 4,02,02
